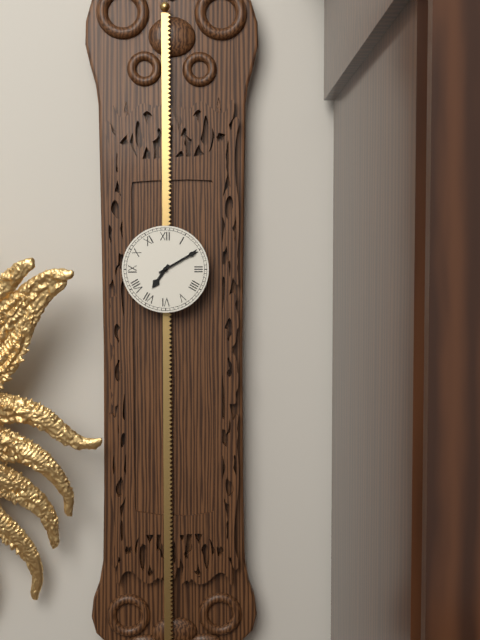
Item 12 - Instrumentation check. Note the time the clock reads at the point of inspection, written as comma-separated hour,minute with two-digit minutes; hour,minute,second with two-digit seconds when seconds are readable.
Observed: 7,10
